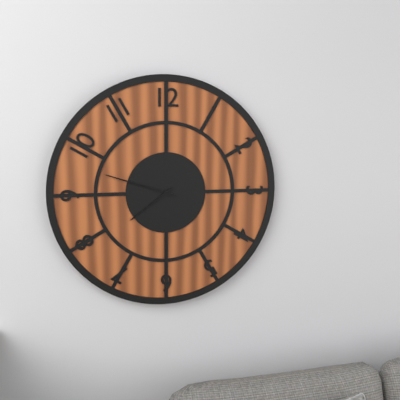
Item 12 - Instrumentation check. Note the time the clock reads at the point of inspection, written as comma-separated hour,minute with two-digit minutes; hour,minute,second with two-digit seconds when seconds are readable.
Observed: 7,48
